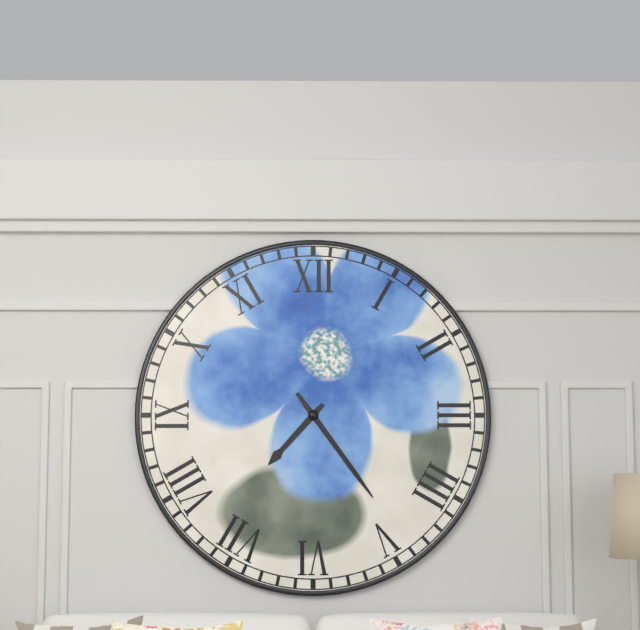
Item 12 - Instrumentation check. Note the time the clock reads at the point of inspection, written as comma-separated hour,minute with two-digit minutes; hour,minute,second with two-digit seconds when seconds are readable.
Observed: 7,24
